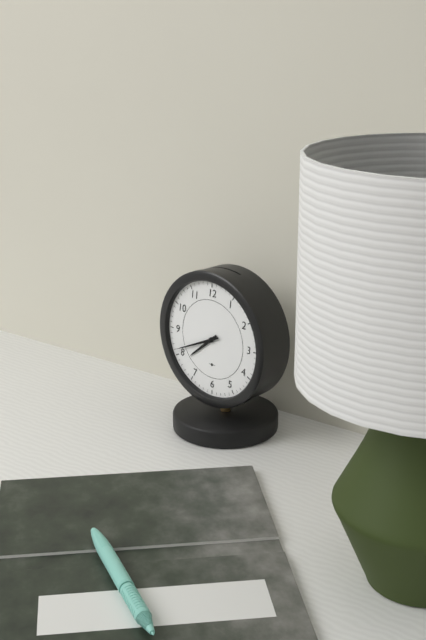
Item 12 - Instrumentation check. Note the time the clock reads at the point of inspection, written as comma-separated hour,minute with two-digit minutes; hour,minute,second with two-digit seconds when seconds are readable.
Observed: 7,41
